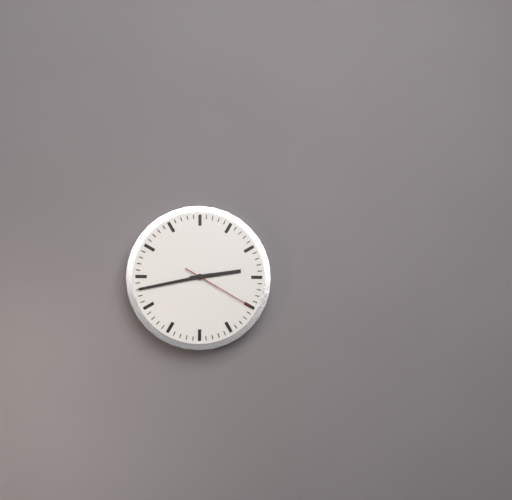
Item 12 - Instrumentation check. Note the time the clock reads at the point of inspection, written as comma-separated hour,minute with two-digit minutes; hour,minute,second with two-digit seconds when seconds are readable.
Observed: 2,43,20
